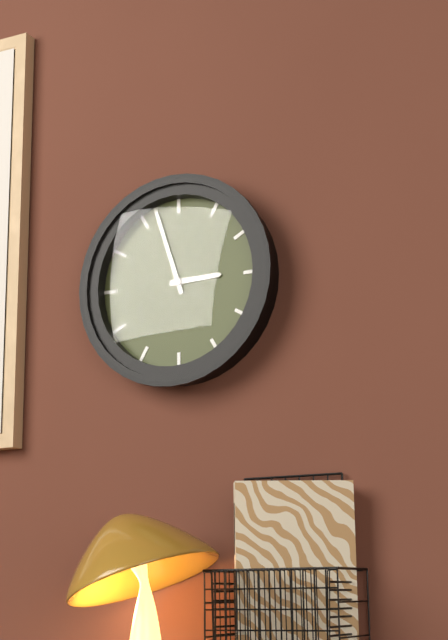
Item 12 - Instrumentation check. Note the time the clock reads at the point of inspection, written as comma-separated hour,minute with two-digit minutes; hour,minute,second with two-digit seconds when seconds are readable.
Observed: 2,57
